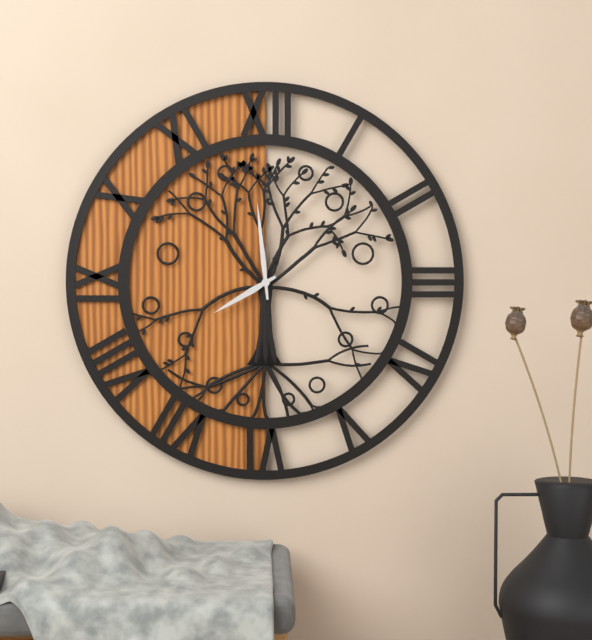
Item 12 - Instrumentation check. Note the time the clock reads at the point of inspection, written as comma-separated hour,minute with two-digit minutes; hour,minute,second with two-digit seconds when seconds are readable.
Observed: 7,59
